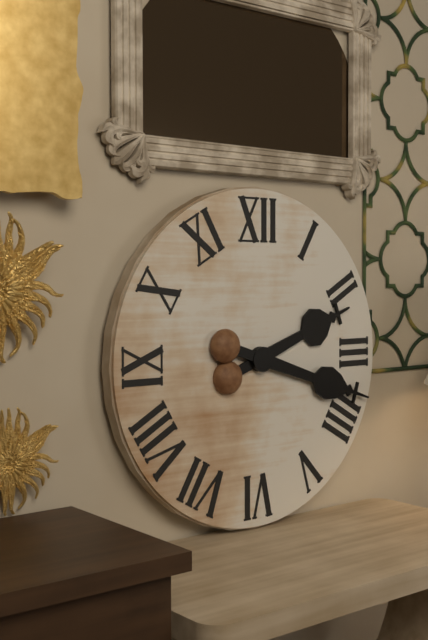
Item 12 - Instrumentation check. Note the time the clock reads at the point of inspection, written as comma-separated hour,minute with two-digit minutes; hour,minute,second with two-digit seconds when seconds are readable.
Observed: 2,18
